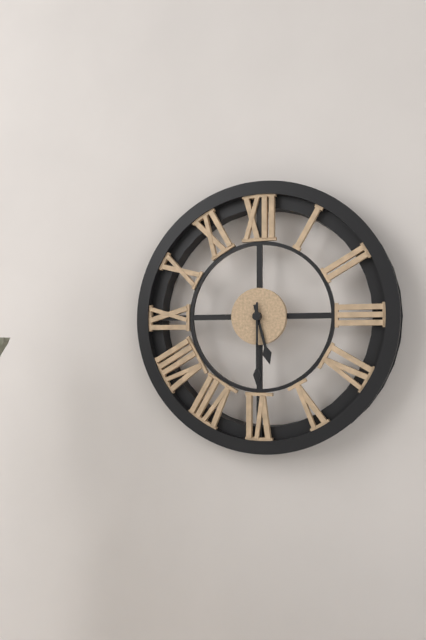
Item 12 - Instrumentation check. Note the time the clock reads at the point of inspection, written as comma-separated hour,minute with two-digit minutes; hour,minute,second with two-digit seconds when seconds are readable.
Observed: 5,30
